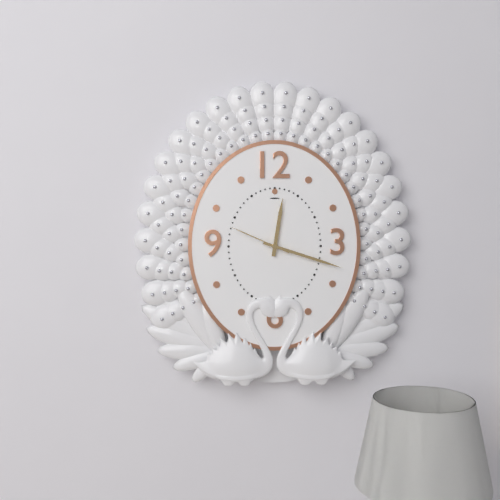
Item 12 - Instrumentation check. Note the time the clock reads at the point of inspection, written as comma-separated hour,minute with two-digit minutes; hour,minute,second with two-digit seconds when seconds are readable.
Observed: 12,18,49
